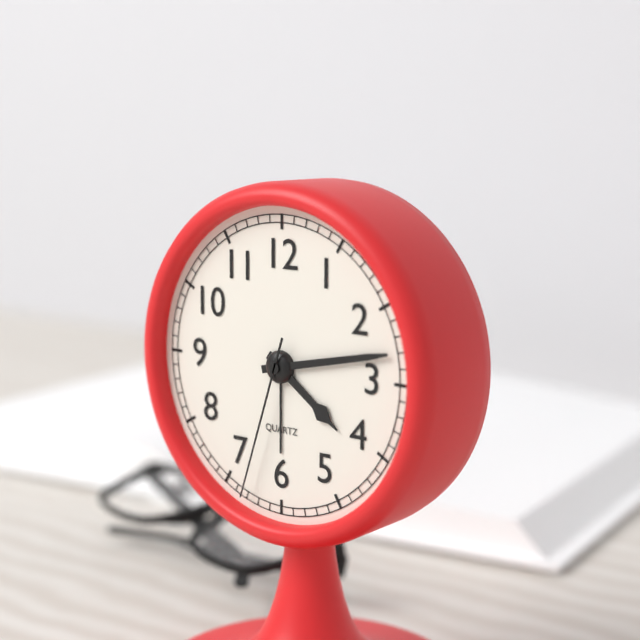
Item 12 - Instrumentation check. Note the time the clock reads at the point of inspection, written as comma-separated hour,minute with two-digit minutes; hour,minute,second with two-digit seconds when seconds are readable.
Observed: 4,13,33
